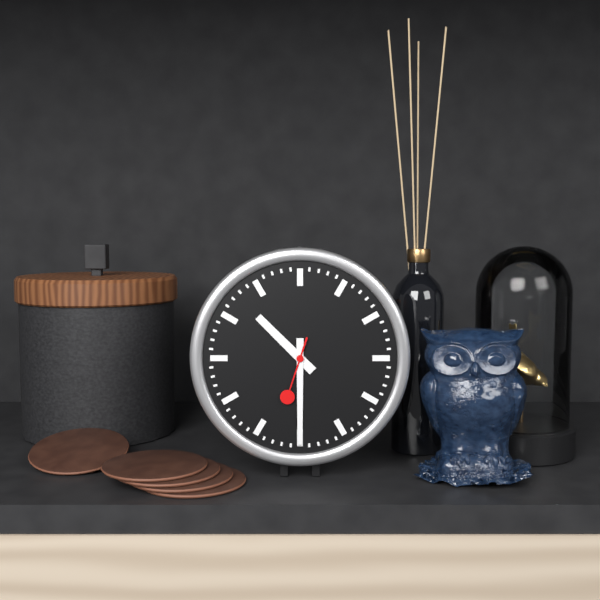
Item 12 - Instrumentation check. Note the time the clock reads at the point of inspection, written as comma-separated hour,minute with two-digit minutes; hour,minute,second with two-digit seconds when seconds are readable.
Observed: 10,30,33
